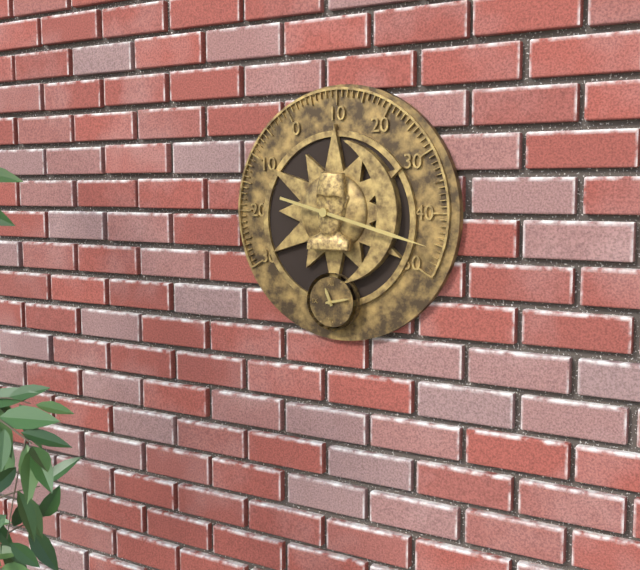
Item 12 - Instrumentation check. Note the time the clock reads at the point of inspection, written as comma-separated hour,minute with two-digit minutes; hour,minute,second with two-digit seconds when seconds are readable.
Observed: 11,13
